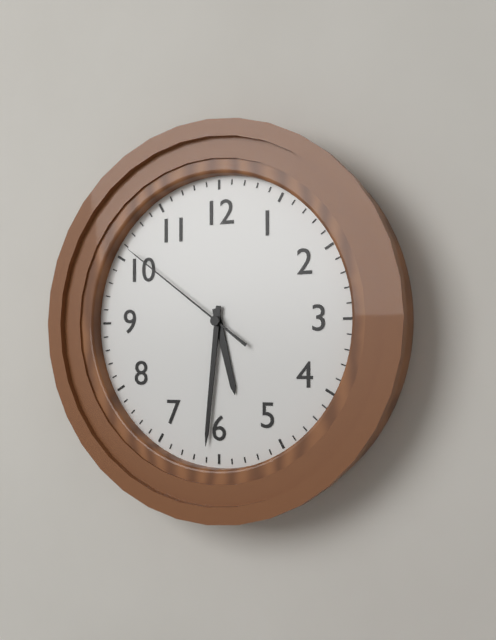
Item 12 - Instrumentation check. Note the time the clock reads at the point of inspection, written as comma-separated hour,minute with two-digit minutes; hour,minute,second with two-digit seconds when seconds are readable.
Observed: 5,31,51
